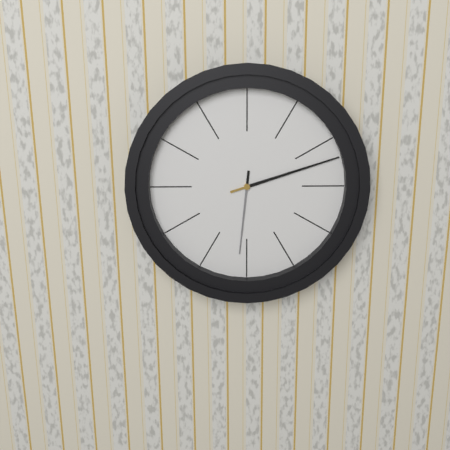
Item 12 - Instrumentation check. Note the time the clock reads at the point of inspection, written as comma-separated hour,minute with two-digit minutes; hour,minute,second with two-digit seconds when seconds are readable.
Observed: 6,12
